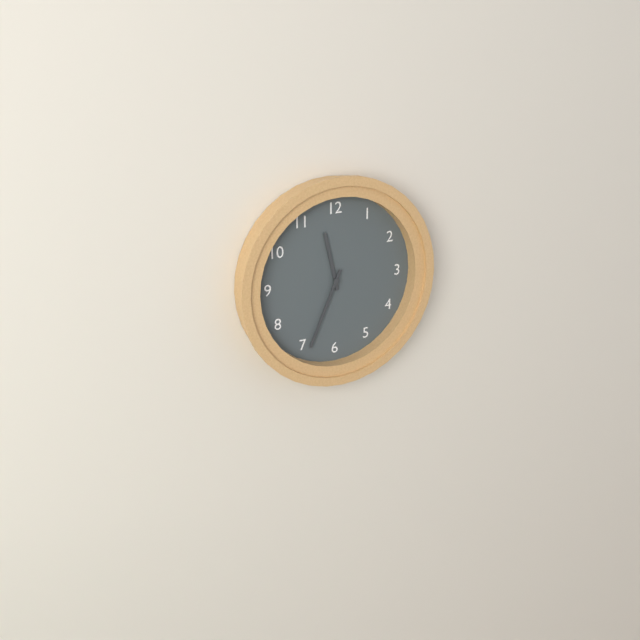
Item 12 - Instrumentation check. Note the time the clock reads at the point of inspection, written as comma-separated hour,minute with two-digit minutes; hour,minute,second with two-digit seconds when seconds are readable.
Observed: 11,34
